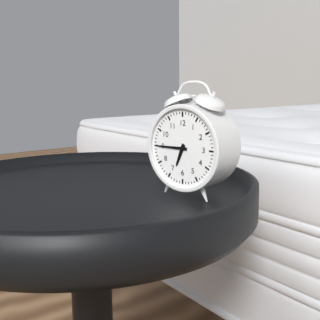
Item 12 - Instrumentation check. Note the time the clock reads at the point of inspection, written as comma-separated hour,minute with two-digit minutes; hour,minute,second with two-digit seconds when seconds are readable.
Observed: 6,45
